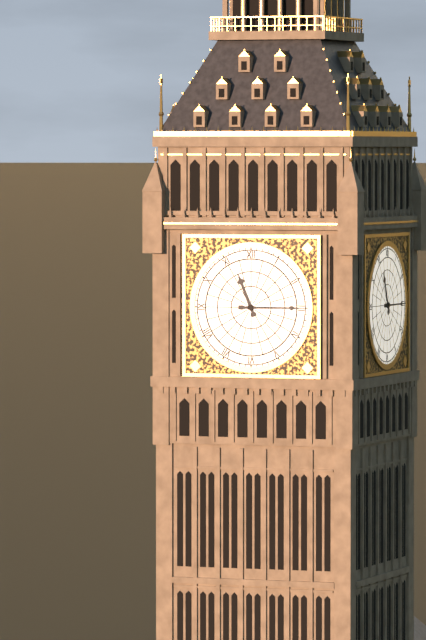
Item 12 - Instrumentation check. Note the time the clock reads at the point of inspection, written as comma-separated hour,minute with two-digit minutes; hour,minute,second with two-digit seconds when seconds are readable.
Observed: 11,15
